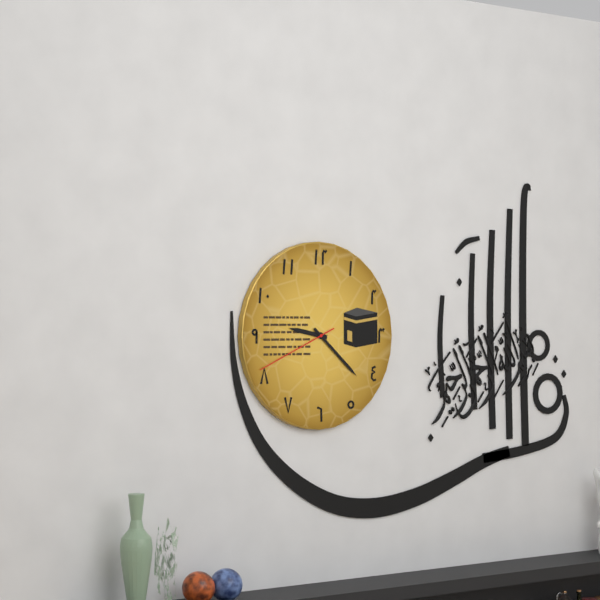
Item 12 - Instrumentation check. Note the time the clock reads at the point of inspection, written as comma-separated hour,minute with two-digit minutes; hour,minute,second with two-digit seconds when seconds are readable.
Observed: 9,22,41
